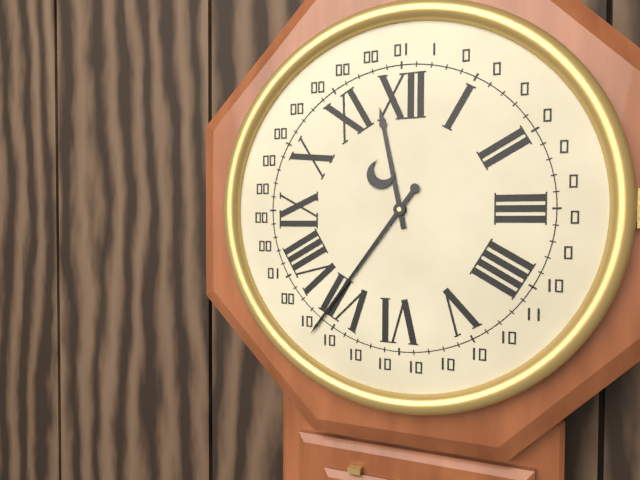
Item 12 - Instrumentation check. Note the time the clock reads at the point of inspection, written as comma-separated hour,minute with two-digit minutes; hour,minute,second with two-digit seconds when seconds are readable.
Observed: 11,36
